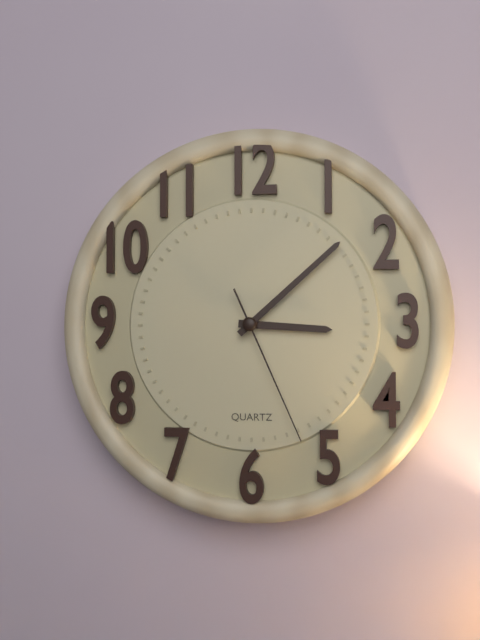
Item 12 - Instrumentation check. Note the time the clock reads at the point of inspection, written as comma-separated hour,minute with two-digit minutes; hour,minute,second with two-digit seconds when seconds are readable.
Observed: 3,08,26
